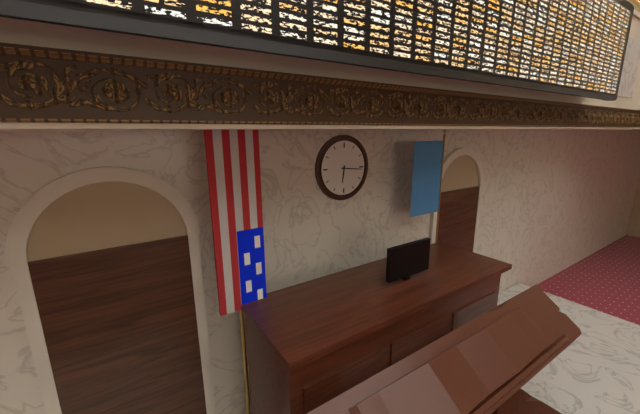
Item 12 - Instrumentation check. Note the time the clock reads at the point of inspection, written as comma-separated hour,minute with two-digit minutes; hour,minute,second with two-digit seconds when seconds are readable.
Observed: 6,16
